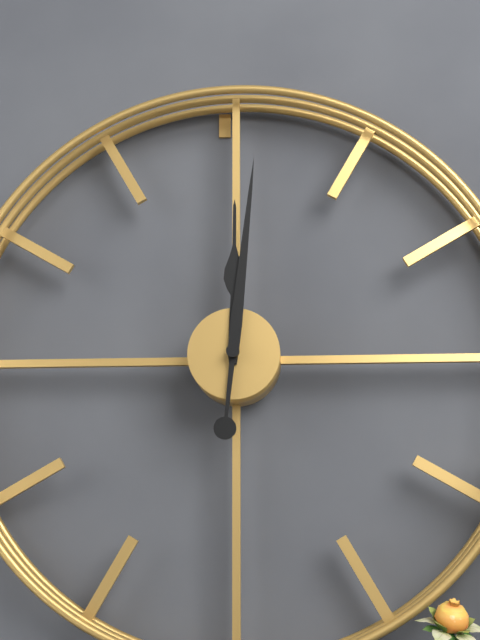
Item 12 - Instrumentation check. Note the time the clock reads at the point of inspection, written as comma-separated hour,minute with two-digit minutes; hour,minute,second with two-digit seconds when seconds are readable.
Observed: 12,01
